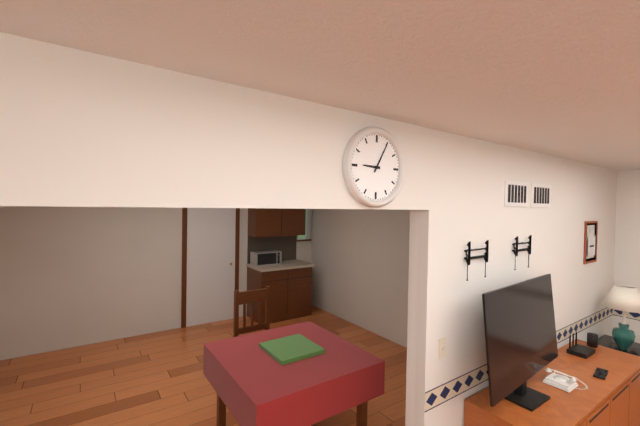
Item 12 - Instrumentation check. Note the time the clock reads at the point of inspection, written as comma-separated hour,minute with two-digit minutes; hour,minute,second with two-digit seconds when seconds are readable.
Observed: 9,05
